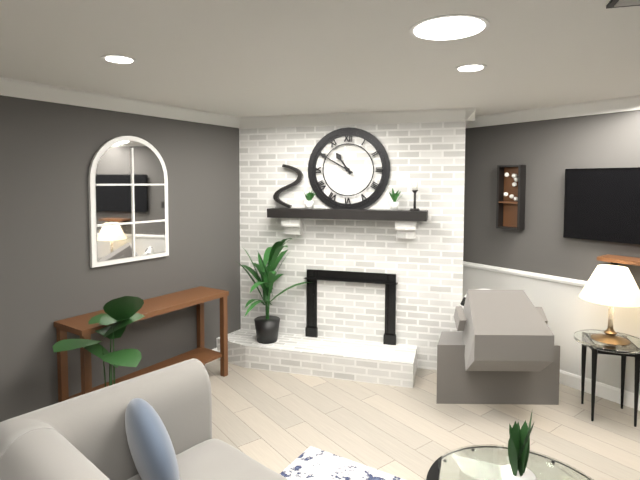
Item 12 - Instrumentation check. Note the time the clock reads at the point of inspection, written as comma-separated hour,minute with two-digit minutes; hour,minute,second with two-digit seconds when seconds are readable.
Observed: 10,50
